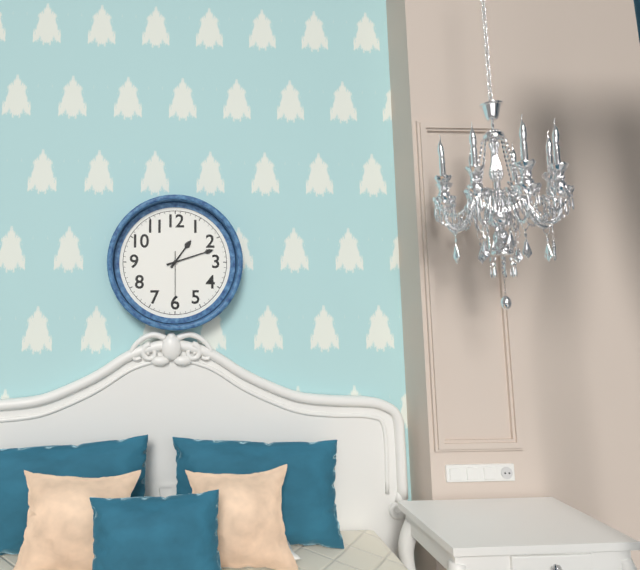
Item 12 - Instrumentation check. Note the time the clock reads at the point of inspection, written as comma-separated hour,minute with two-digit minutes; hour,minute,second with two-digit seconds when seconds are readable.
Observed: 1,12
